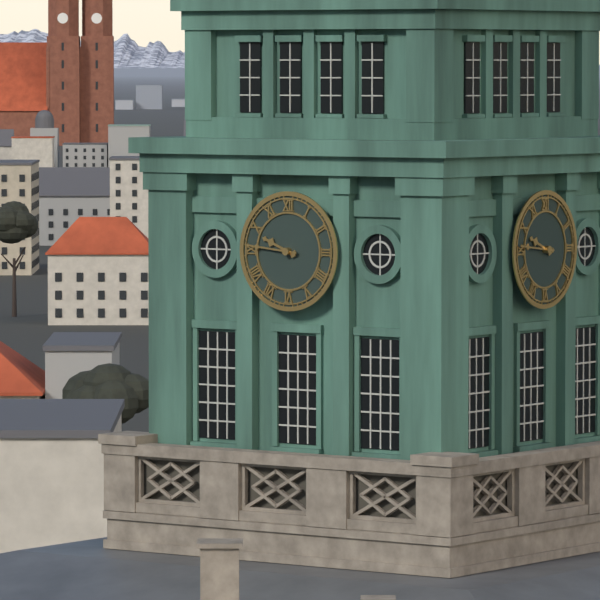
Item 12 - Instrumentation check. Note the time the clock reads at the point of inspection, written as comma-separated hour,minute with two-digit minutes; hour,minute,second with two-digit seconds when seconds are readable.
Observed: 9,46
